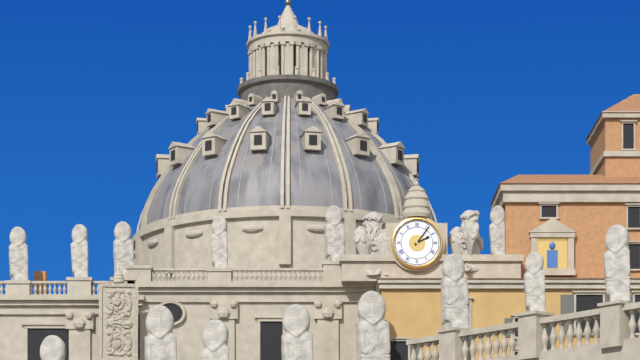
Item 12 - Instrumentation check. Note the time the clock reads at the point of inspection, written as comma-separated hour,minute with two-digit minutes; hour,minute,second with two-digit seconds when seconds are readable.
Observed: 2,06
